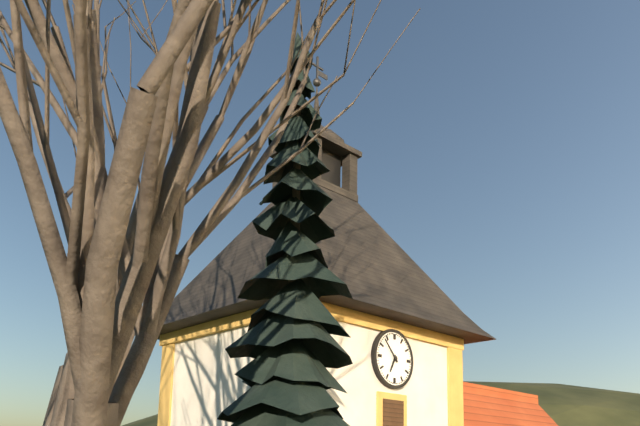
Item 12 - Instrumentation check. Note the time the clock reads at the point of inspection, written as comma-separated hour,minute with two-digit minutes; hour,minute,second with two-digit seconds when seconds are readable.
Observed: 6,53
